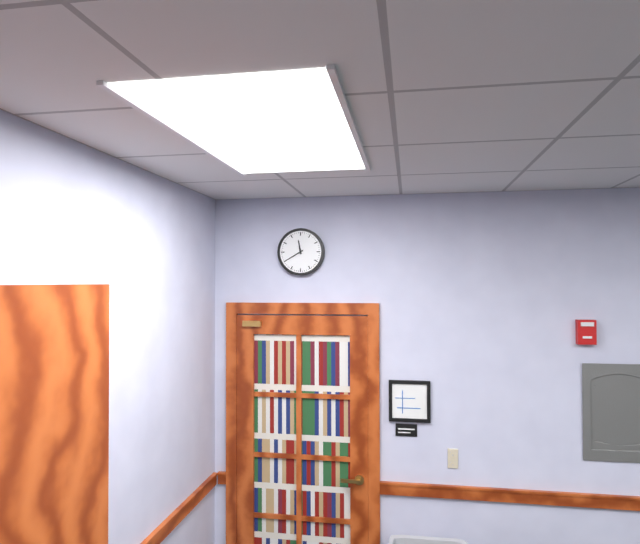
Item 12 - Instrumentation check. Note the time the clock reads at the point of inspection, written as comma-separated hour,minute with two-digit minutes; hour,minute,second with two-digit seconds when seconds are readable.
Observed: 11,40
